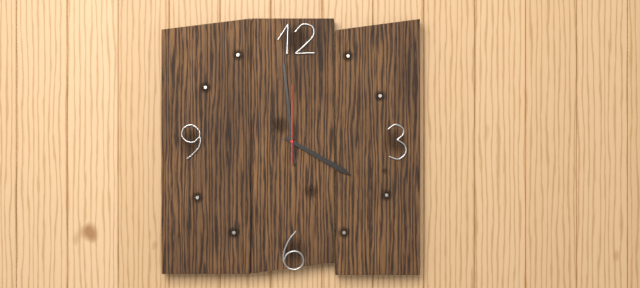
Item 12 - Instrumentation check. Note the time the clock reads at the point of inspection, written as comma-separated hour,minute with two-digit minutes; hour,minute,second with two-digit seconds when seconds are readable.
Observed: 3,59,00
